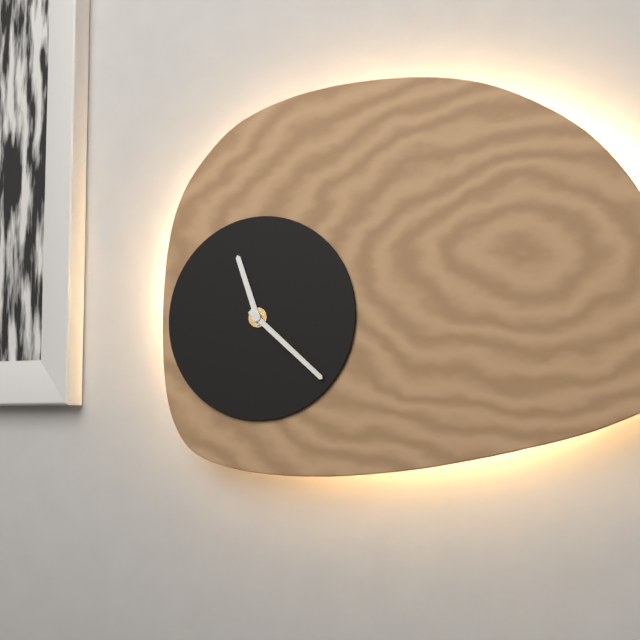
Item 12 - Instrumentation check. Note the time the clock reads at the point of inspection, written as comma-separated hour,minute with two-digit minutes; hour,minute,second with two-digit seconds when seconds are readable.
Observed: 11,22
